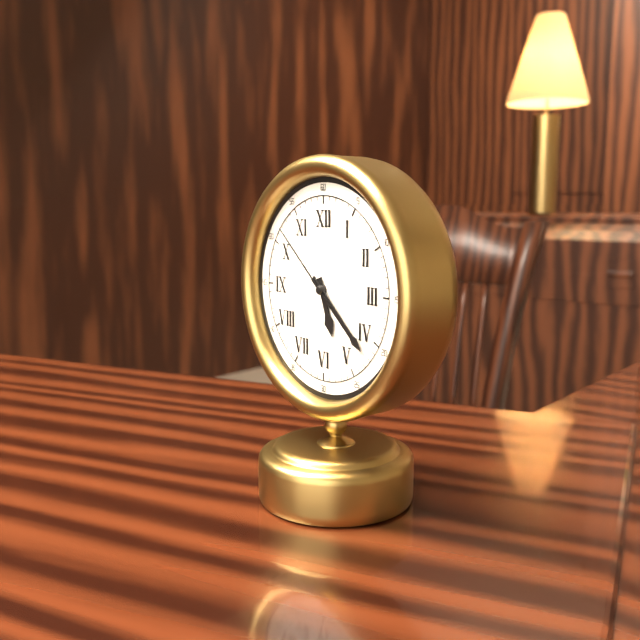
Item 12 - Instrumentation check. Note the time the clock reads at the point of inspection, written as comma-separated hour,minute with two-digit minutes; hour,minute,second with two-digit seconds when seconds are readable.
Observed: 5,22,52
